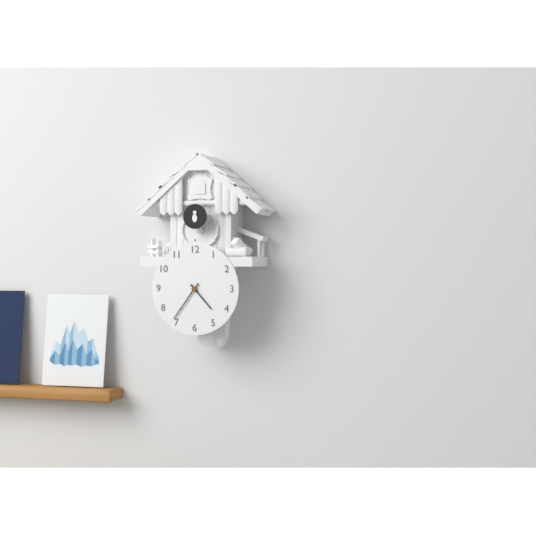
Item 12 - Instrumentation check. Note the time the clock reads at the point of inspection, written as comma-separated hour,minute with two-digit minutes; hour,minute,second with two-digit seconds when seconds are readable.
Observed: 4,36
